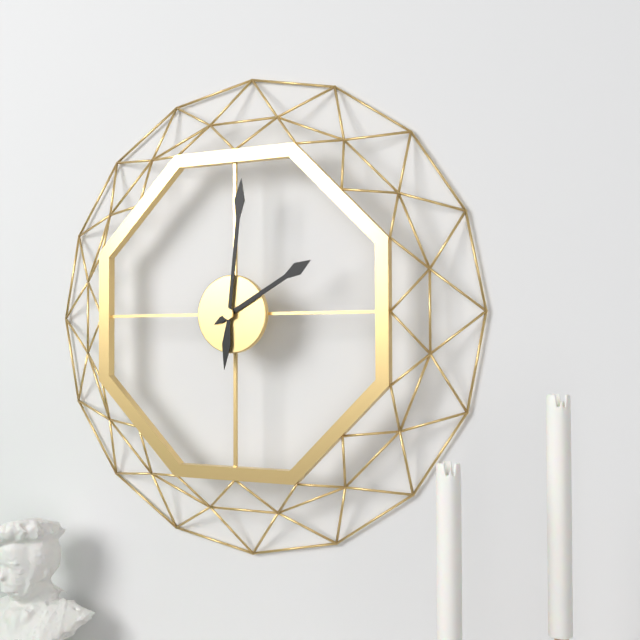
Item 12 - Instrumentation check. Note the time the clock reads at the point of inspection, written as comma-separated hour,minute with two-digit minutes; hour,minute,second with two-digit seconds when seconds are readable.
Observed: 2,01
